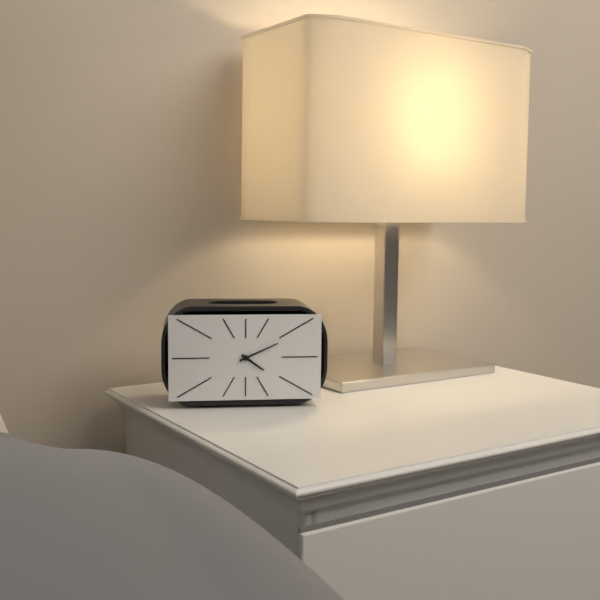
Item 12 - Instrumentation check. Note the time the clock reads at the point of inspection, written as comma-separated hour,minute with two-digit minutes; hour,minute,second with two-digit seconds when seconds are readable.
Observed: 4,11
